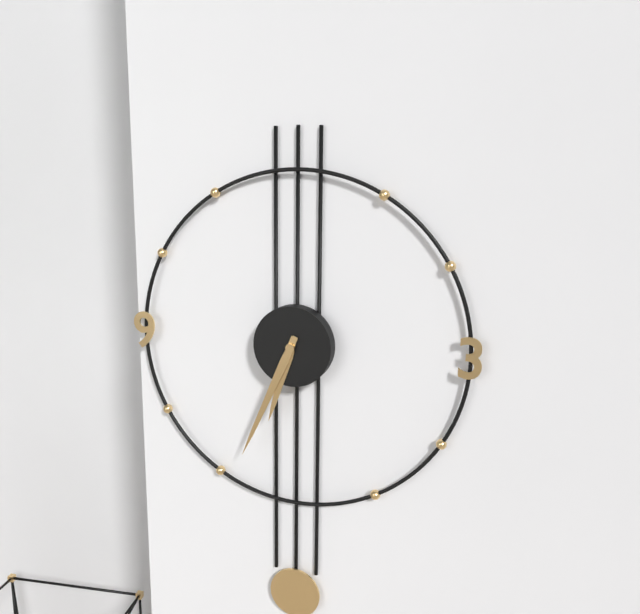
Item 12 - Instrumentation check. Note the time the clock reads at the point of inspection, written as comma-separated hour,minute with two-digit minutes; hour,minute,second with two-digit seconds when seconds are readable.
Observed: 6,34
